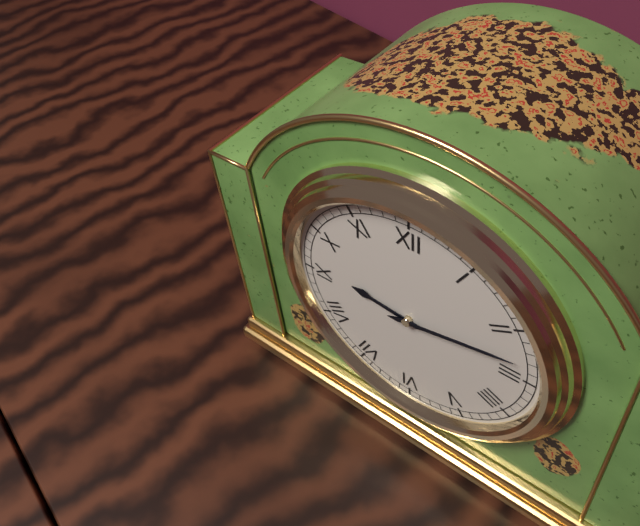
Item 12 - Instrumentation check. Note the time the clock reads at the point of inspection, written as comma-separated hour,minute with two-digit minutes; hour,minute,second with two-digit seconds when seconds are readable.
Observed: 9,13
